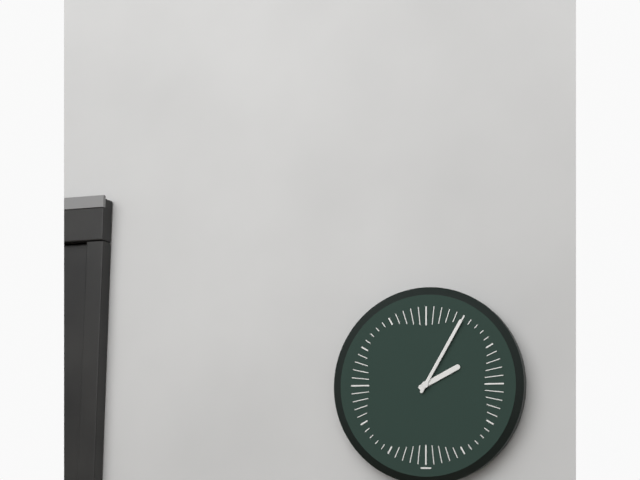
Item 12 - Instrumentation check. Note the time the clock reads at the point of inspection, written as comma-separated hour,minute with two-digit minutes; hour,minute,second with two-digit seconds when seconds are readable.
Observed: 2,05
